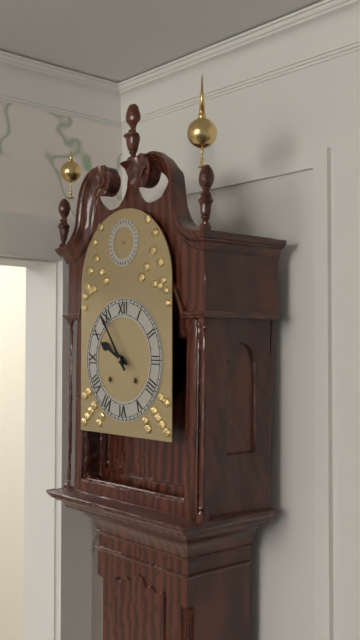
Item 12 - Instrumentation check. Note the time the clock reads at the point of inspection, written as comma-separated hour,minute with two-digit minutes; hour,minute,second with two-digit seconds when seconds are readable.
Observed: 9,54
